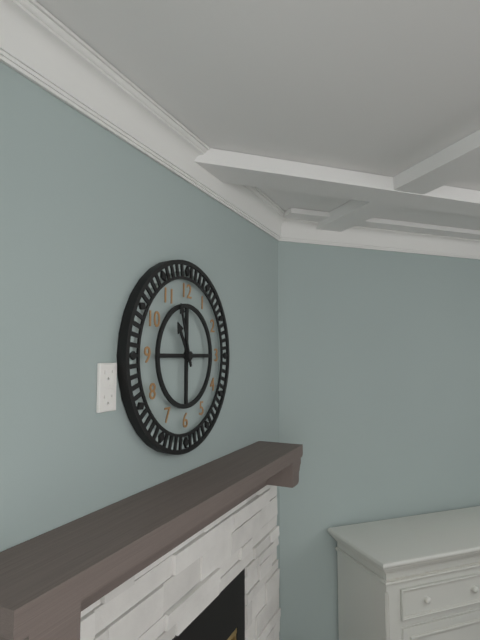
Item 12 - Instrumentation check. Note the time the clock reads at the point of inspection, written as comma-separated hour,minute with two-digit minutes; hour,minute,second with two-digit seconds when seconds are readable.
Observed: 10,57
